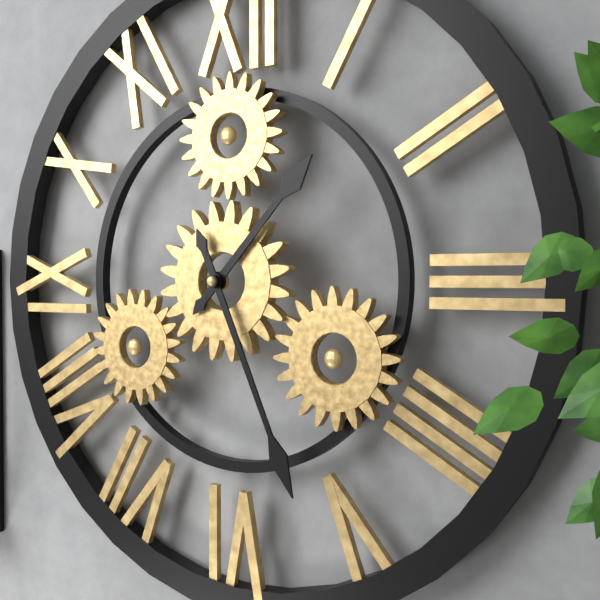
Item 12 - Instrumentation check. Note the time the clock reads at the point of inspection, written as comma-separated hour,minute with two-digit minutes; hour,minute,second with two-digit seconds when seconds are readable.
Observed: 1,26
